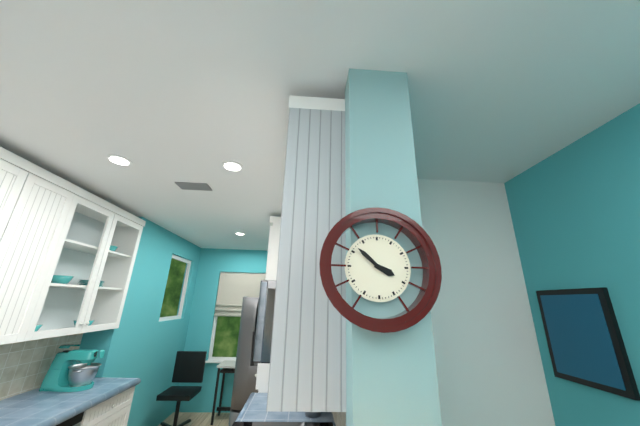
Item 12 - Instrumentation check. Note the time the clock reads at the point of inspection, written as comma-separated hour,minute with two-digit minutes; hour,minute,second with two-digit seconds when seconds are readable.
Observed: 3,52
